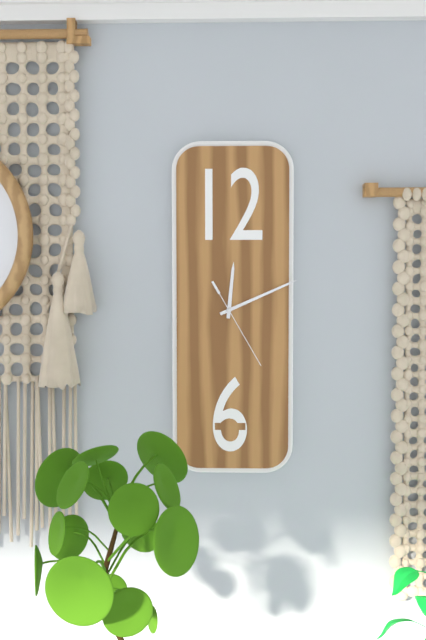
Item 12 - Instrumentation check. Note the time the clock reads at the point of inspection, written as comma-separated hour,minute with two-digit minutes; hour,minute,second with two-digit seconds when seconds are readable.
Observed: 12,11,25
